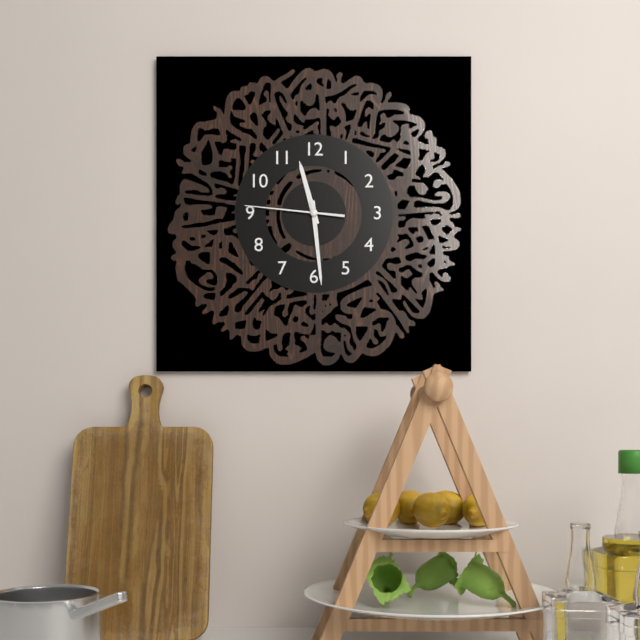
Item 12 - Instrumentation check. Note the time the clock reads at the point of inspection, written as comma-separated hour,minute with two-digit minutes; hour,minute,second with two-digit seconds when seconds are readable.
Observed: 11,29,46
